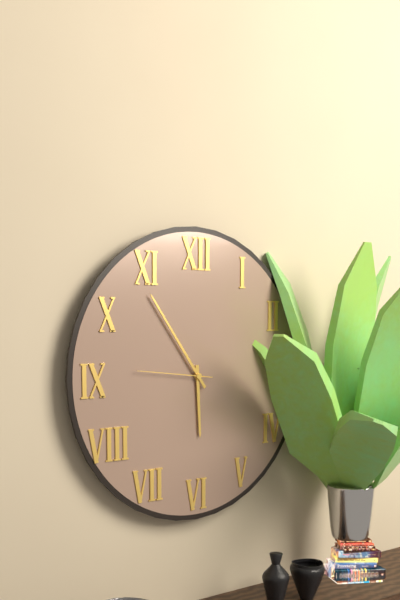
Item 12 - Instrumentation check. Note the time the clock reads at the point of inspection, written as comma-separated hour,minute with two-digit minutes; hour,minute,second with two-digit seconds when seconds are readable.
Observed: 5,54,46
